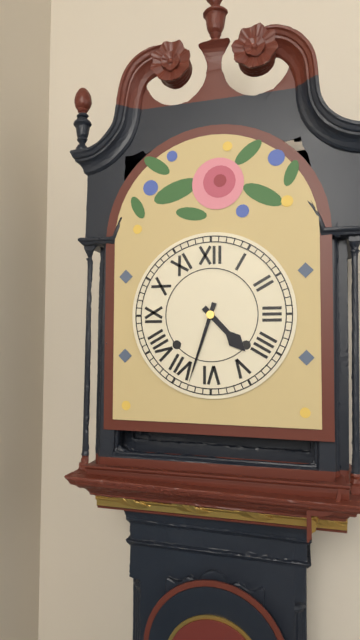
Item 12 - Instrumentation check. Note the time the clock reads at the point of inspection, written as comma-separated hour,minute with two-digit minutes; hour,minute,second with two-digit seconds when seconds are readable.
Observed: 4,33
